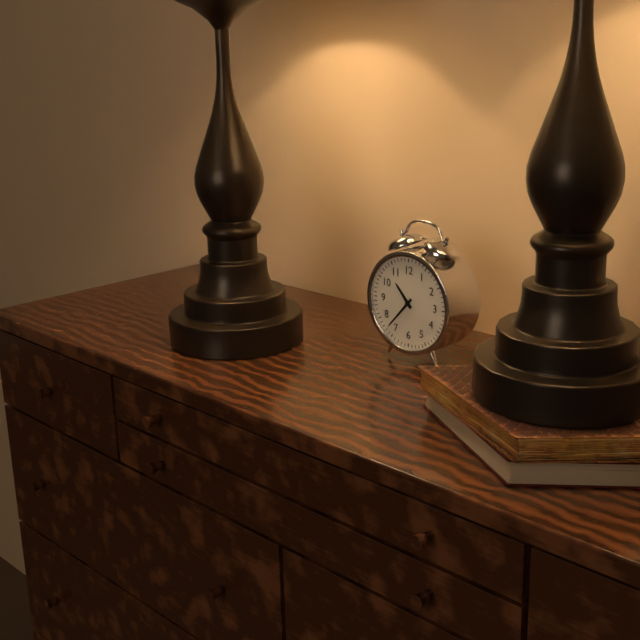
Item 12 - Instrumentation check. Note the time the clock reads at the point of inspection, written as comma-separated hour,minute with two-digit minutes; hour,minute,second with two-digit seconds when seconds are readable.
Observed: 10,37
